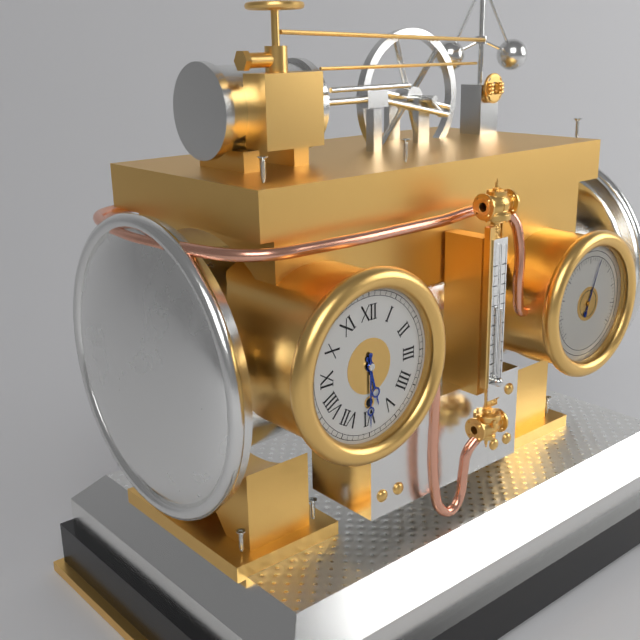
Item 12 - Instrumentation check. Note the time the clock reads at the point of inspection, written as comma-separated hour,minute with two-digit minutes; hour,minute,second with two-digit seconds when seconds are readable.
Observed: 5,30
